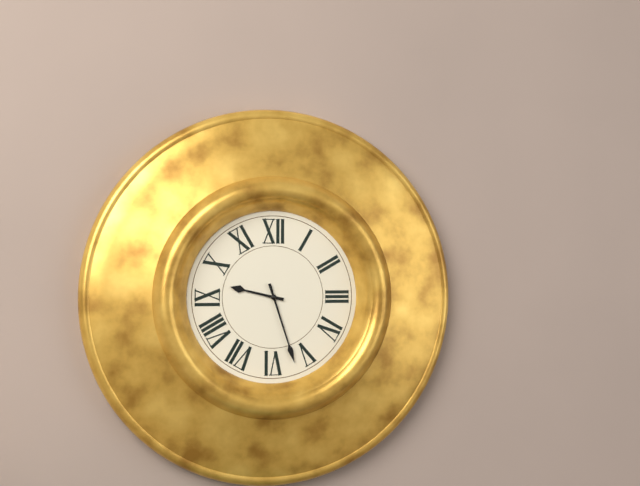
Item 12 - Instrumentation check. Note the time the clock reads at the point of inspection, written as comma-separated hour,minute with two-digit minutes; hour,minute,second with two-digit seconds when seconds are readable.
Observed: 9,27
